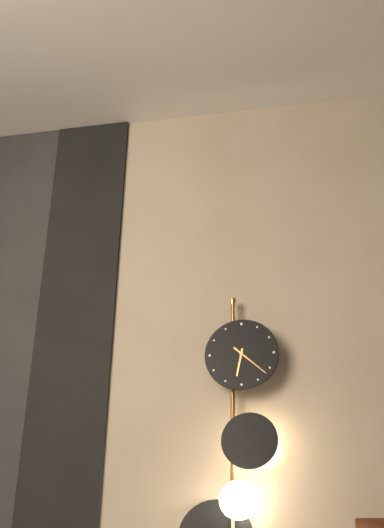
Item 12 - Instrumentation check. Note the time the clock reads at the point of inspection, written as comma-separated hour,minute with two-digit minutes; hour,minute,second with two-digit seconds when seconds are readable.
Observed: 6,22
